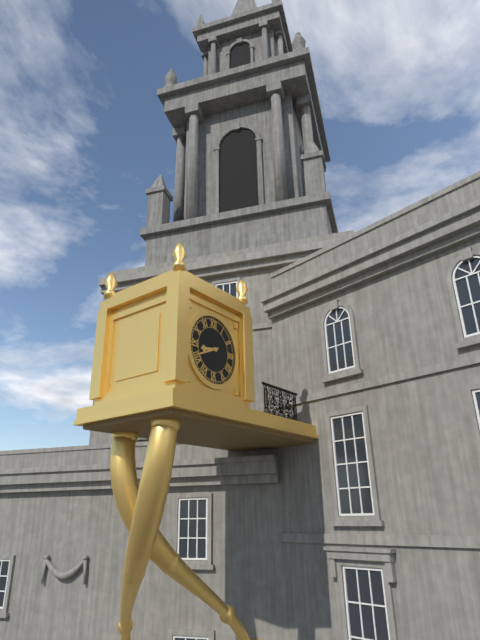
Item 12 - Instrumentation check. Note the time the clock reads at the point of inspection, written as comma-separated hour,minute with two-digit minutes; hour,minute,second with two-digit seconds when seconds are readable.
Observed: 8,41
